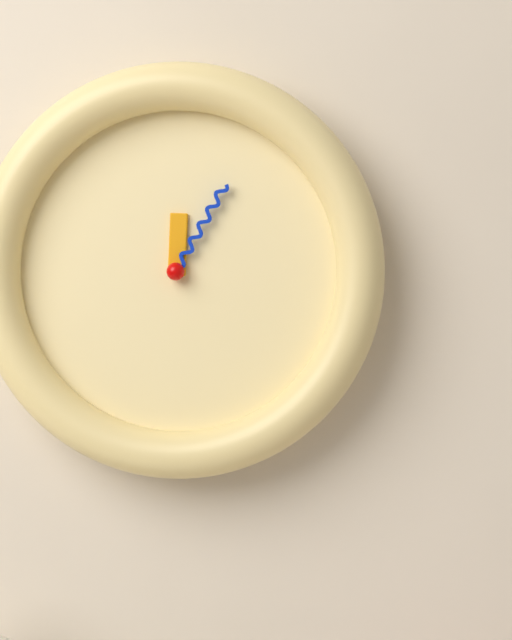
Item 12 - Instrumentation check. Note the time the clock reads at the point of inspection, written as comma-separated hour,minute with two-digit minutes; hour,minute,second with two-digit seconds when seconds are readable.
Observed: 12,05
